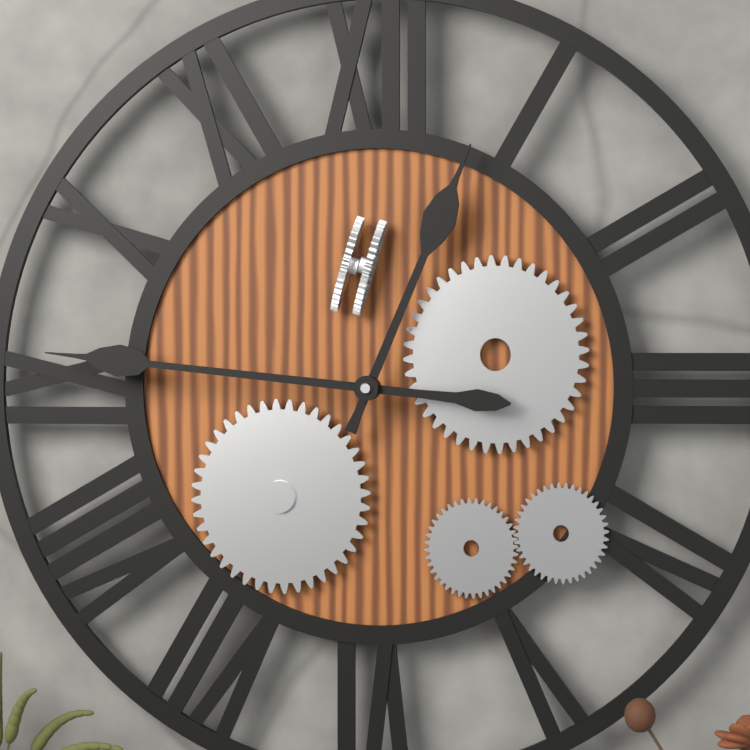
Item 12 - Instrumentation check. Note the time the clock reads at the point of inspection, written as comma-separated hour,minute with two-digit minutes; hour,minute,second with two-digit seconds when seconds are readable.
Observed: 12,46
